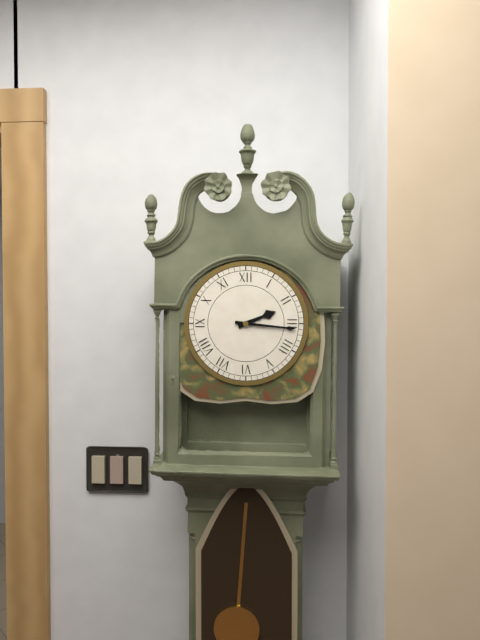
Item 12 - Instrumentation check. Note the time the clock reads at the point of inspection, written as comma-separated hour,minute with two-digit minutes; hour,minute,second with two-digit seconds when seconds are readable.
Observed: 2,16
